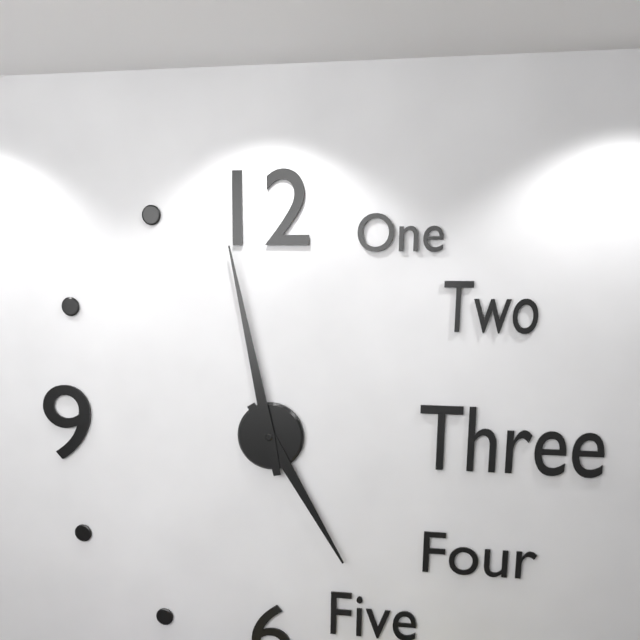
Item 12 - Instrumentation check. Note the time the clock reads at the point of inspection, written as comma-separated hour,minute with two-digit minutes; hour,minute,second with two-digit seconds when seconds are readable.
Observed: 4,58
